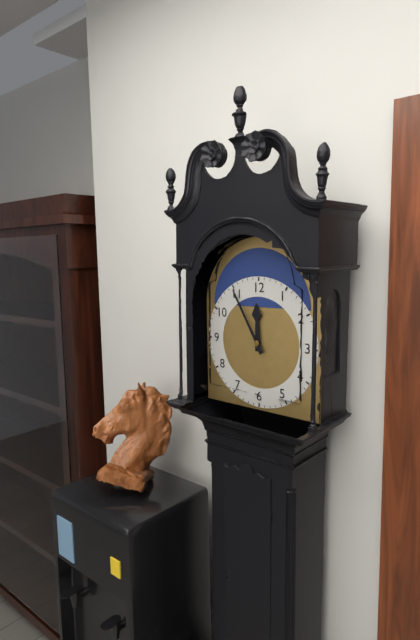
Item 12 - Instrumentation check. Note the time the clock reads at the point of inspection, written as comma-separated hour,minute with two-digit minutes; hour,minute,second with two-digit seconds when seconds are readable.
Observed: 11,55
